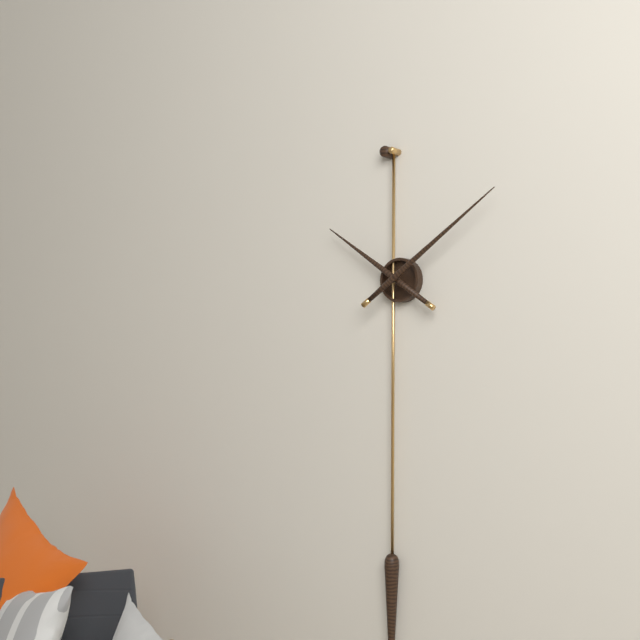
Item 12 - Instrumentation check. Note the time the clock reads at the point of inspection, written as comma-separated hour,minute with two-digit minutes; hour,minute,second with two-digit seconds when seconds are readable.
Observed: 10,09
